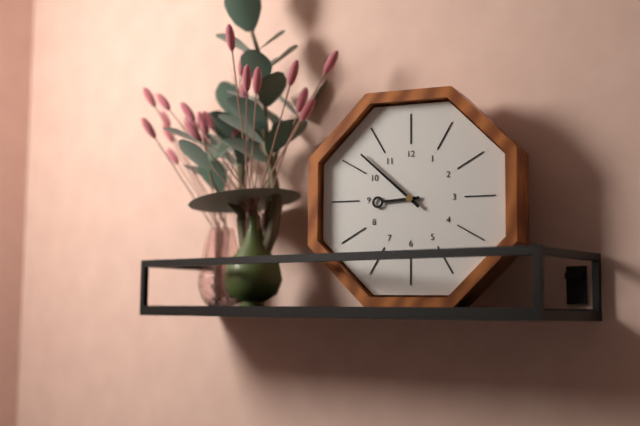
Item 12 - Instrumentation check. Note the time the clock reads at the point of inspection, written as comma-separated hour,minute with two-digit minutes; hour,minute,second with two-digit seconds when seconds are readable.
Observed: 8,52
